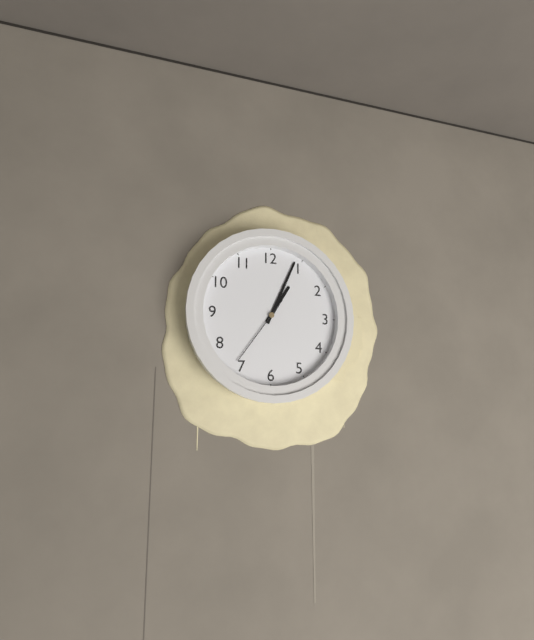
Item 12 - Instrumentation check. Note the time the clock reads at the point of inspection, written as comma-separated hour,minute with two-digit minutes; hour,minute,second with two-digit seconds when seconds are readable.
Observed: 1,04,36
